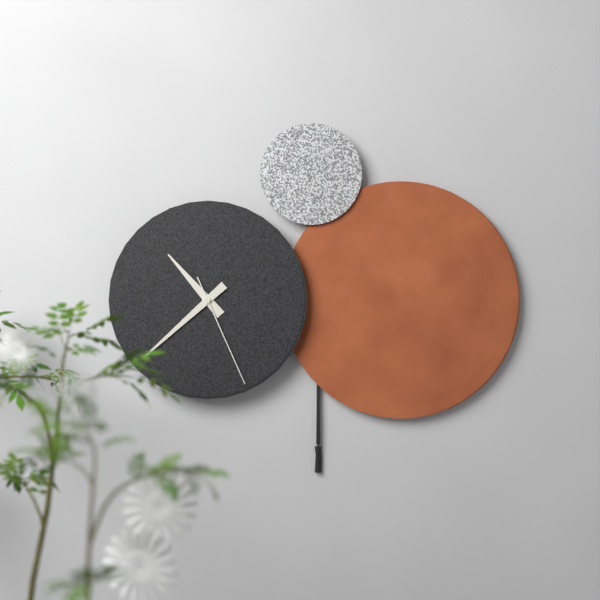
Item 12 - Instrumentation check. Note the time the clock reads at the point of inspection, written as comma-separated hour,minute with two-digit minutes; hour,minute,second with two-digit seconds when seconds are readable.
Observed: 10,38,26
